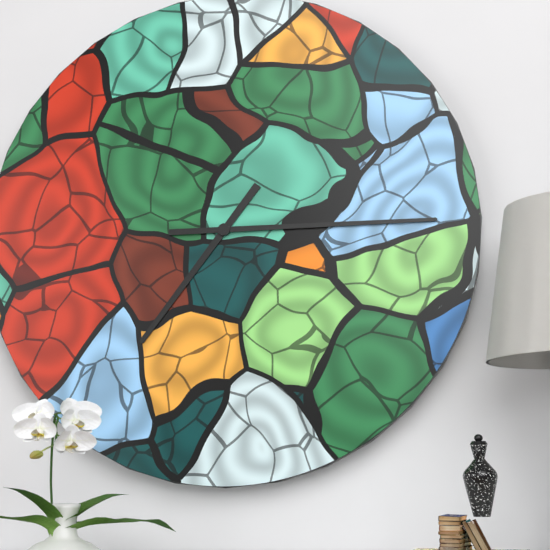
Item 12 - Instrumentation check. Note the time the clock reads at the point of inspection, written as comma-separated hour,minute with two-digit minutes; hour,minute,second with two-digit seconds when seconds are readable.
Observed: 7,15
